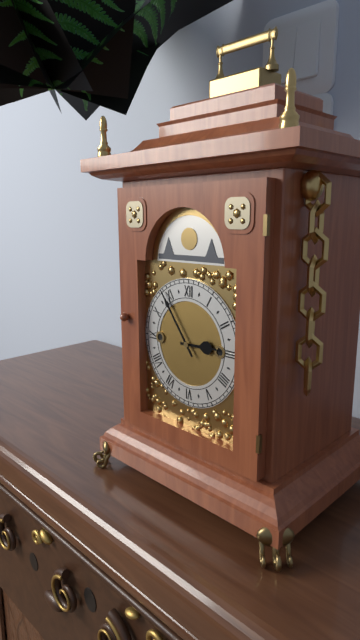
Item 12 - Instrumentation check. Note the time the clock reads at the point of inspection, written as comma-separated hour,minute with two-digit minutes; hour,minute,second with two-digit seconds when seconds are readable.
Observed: 2,54
